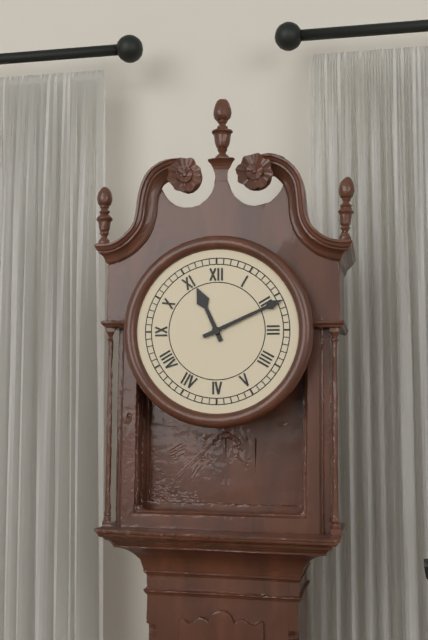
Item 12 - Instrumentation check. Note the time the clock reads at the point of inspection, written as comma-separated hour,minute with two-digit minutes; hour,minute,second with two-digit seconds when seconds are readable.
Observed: 11,11
